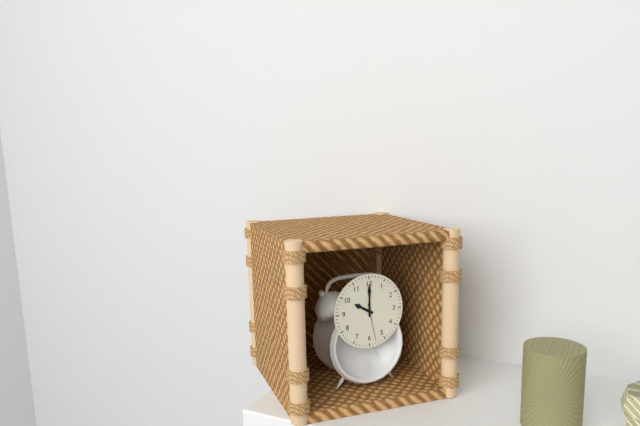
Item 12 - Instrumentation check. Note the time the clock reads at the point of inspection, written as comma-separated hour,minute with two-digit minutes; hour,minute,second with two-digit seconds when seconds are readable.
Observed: 10,00
